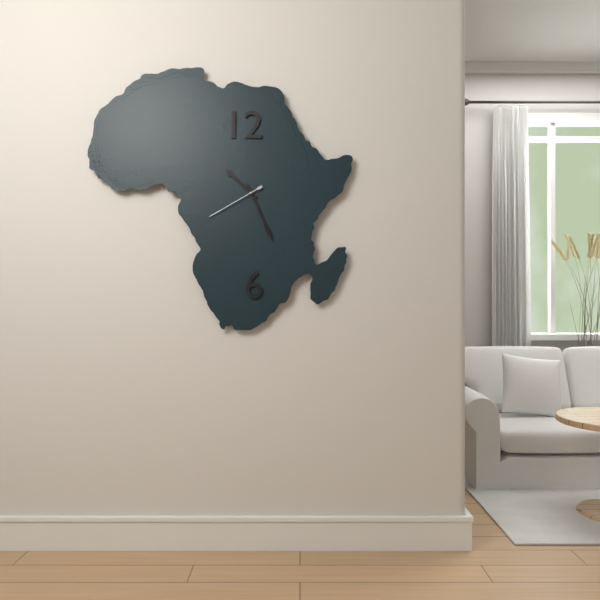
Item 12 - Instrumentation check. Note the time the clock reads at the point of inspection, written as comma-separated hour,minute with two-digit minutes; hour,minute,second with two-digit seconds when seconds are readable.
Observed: 10,26,40
